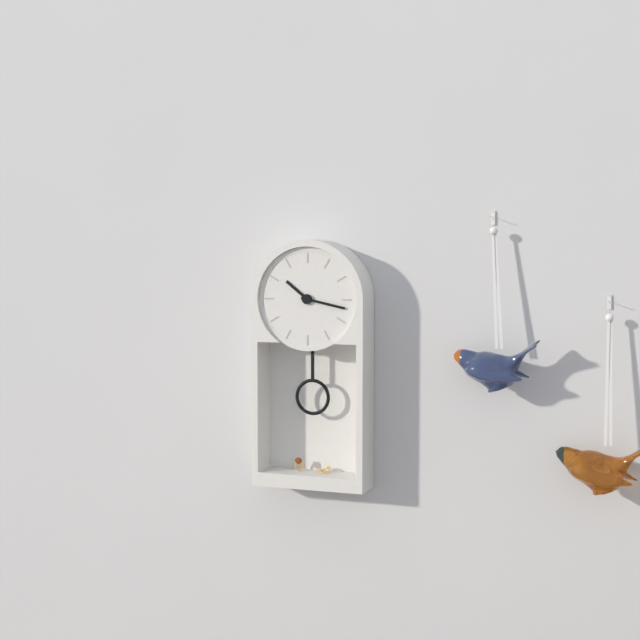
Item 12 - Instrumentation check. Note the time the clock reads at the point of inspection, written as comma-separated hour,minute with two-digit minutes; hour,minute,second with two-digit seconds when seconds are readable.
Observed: 10,17
